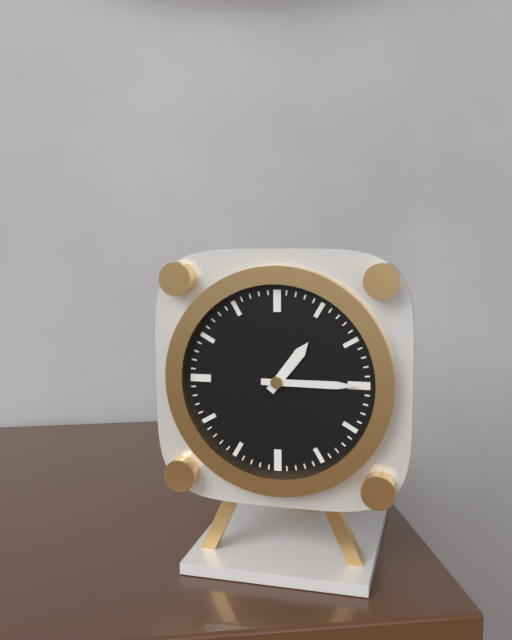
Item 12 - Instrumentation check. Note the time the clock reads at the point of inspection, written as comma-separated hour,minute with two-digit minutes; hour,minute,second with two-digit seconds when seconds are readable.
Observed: 1,15
